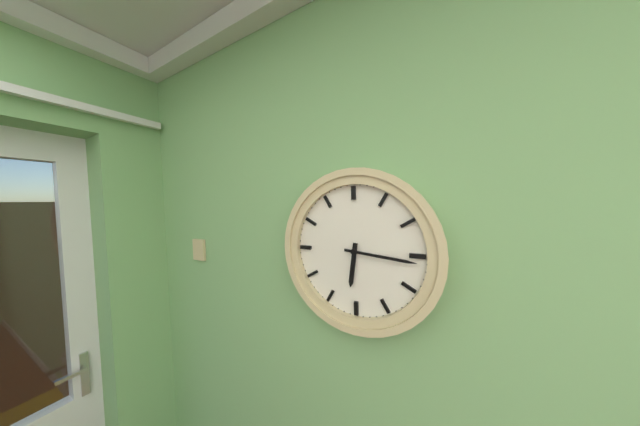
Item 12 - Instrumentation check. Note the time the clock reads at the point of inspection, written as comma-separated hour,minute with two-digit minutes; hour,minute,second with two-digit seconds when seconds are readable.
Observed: 6,16
